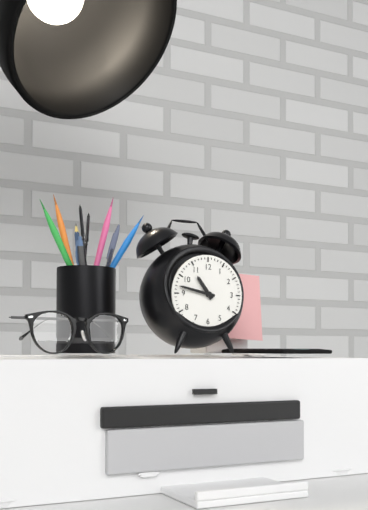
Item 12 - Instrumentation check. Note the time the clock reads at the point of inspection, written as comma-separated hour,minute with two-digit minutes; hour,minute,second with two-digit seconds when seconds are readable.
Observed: 10,47
